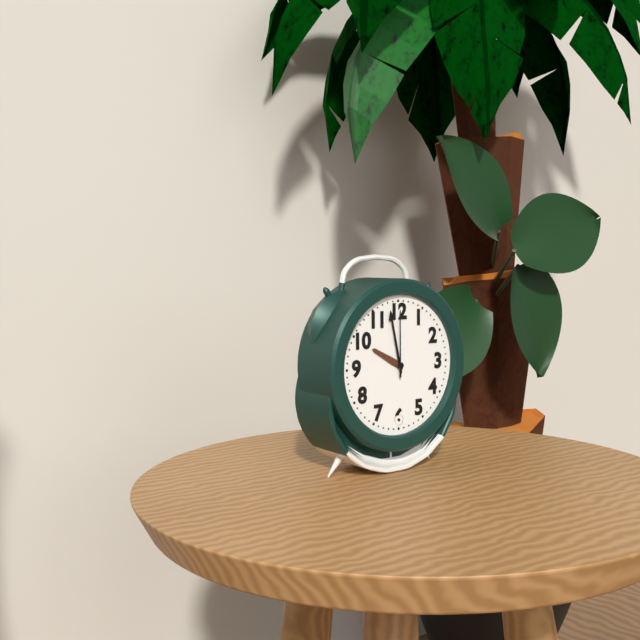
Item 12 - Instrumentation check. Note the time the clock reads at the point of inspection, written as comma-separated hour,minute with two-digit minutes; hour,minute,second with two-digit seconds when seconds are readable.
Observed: 9,58,00
